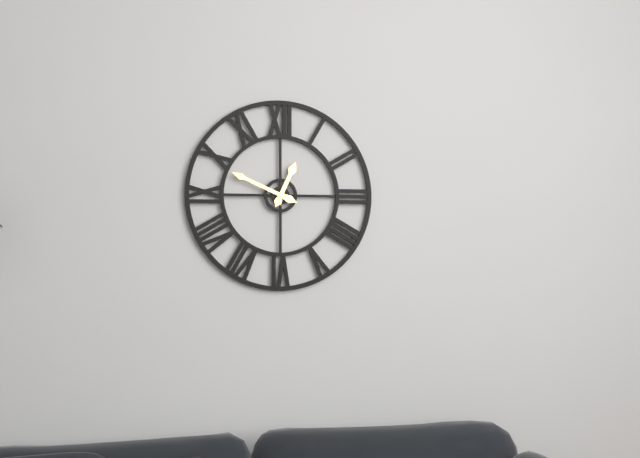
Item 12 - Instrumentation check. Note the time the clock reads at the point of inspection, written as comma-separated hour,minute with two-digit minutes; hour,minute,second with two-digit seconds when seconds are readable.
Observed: 12,49
